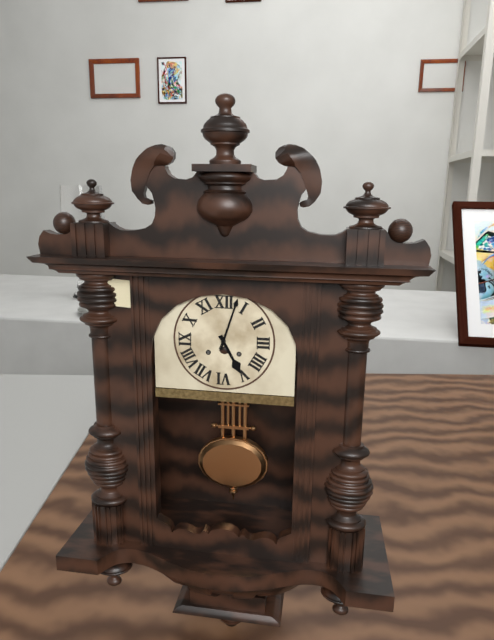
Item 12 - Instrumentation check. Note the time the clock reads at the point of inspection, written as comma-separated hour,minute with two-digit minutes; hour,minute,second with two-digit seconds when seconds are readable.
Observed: 5,03
